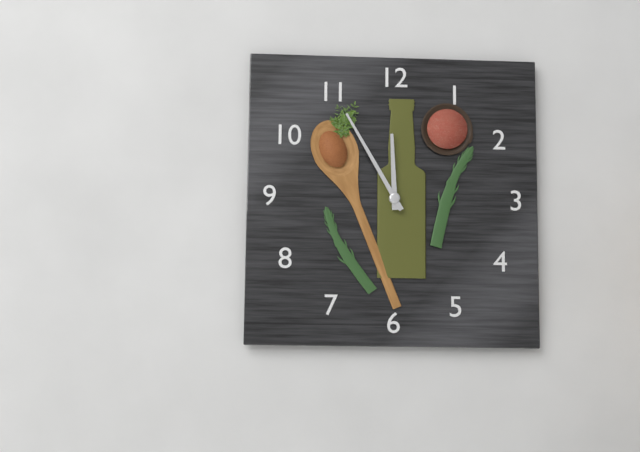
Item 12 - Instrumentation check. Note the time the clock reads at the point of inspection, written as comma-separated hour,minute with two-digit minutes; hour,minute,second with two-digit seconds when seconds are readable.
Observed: 11,55
